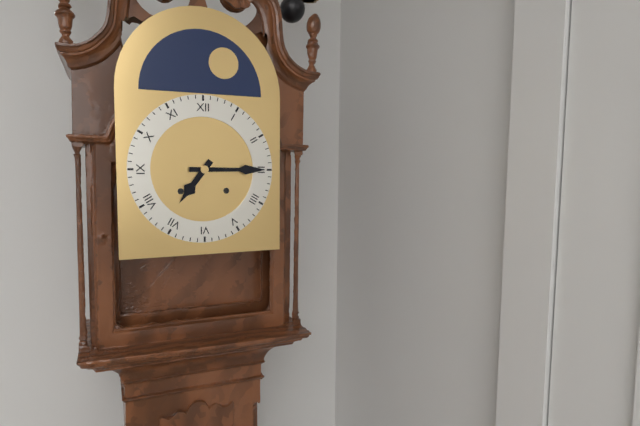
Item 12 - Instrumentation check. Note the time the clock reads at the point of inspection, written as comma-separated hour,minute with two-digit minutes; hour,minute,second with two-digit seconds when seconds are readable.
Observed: 7,15
